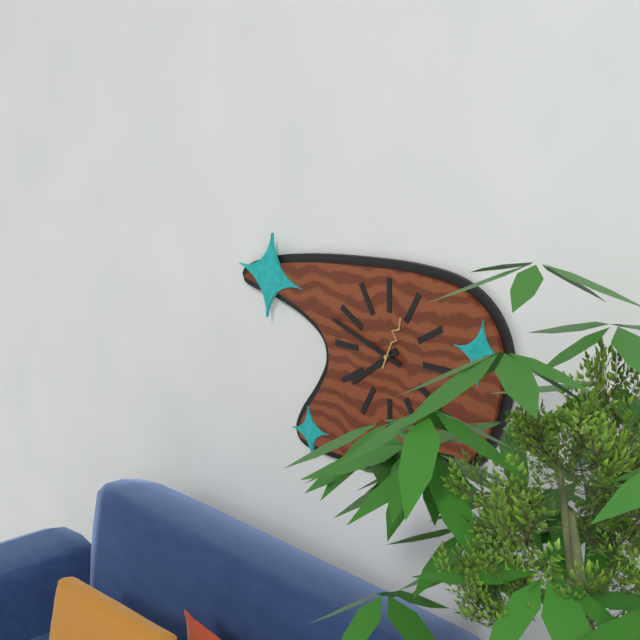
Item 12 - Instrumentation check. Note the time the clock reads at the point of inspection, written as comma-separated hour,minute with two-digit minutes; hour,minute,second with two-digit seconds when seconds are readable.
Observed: 7,48
